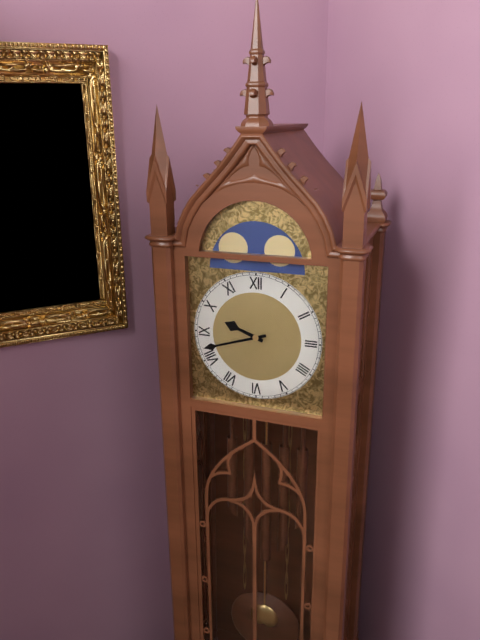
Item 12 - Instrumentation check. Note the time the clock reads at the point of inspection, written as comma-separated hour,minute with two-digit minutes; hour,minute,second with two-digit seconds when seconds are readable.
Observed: 9,42
